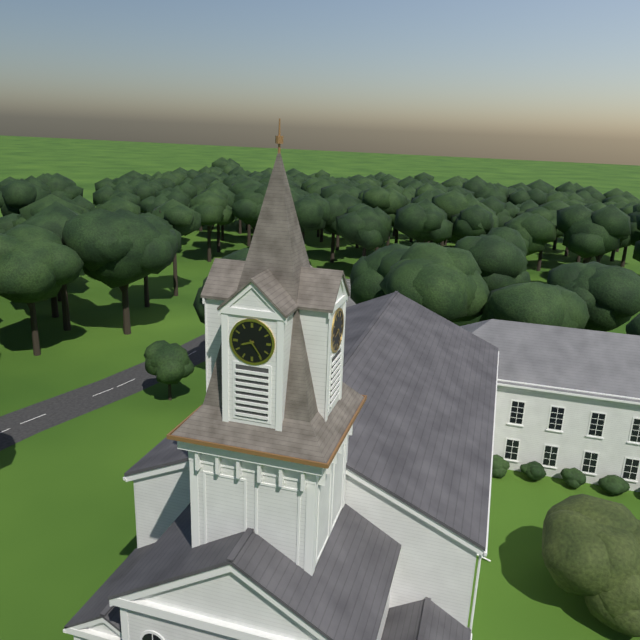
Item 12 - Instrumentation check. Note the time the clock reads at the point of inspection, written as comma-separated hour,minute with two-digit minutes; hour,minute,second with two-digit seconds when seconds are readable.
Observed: 8,24
